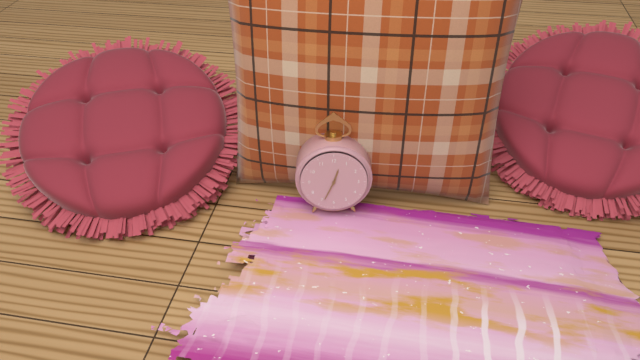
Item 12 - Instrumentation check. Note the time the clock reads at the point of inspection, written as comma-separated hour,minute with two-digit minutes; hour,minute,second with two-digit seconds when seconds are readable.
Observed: 12,34
